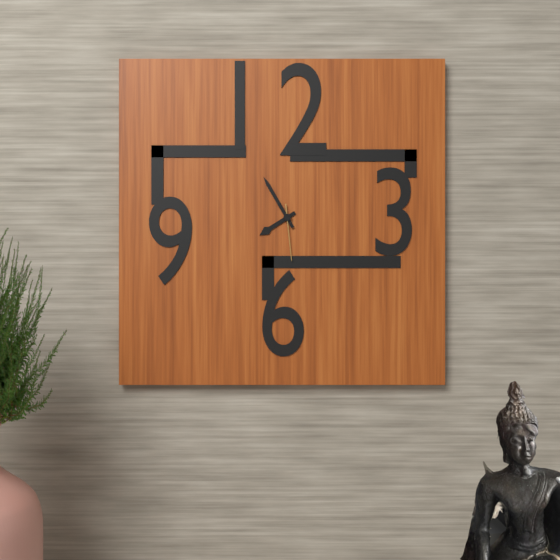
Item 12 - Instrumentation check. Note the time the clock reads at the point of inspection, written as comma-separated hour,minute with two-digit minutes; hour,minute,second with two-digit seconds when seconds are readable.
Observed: 7,55,29
